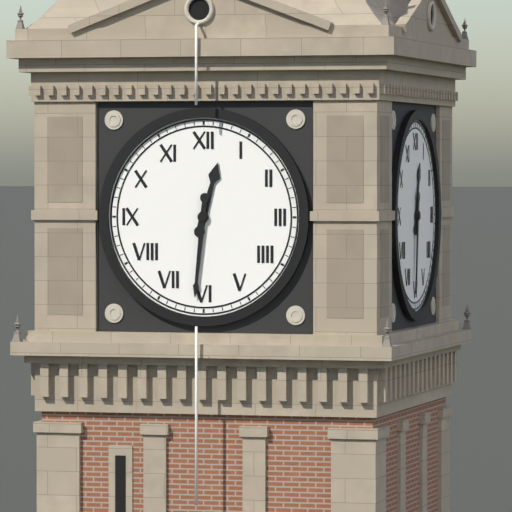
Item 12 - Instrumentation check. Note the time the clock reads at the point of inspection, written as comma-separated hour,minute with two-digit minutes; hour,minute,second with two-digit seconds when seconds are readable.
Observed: 12,31
